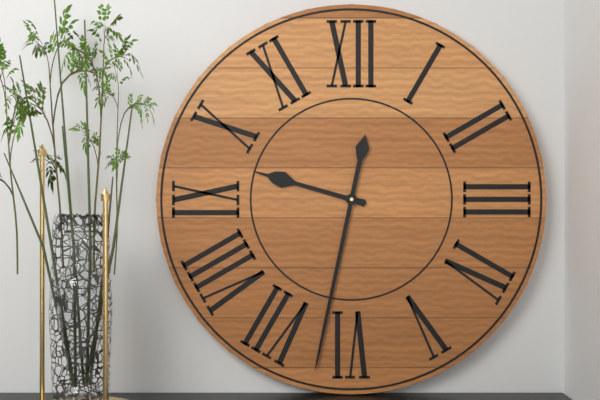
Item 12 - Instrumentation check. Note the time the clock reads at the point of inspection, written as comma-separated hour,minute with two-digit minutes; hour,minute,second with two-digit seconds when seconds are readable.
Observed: 9,32
